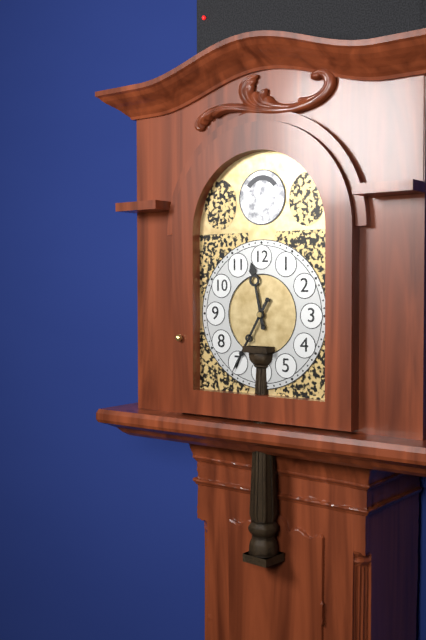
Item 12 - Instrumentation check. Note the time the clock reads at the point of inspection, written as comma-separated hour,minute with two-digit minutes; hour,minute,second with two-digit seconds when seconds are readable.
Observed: 11,35
